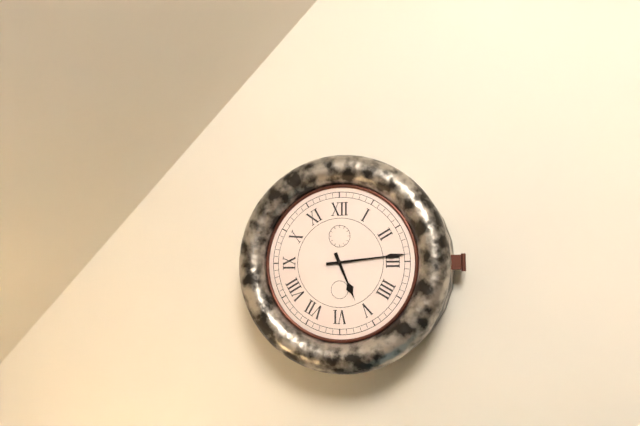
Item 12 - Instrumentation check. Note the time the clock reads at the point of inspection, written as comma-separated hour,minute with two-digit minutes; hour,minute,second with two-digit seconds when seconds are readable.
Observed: 5,14
